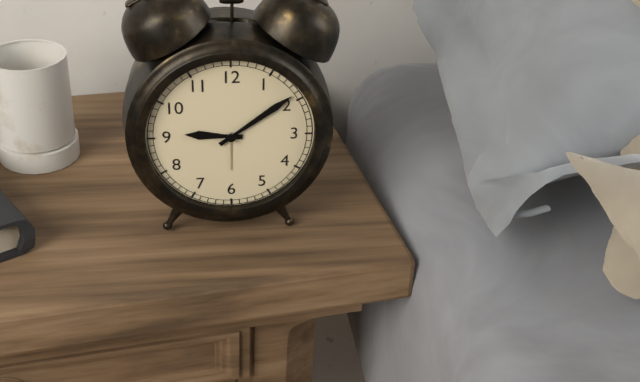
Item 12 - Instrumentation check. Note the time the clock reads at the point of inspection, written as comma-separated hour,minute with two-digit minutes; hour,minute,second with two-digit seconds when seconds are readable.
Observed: 9,09
